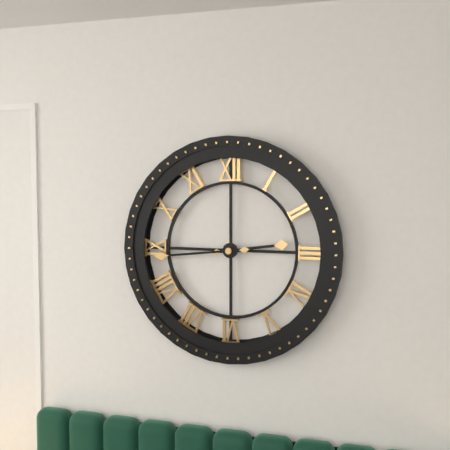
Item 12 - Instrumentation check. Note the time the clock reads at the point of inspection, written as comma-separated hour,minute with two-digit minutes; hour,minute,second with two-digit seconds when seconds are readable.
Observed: 2,44
